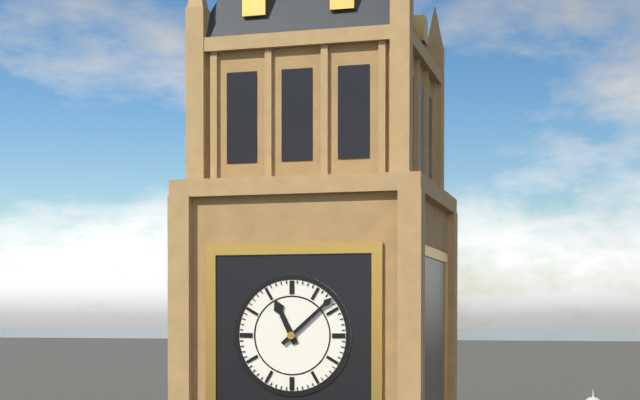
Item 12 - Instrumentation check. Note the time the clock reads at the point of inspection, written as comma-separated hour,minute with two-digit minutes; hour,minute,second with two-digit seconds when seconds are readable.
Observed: 11,08
